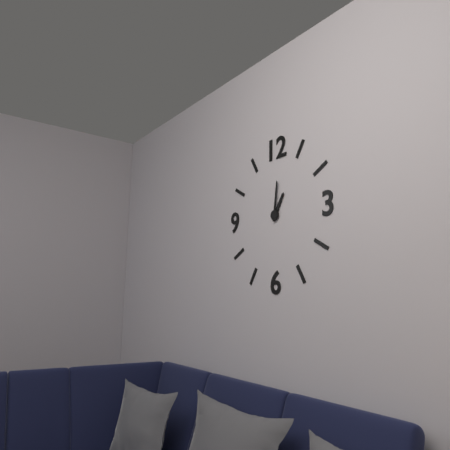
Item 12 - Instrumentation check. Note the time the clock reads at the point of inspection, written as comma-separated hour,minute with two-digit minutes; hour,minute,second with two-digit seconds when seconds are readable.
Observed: 1,01
